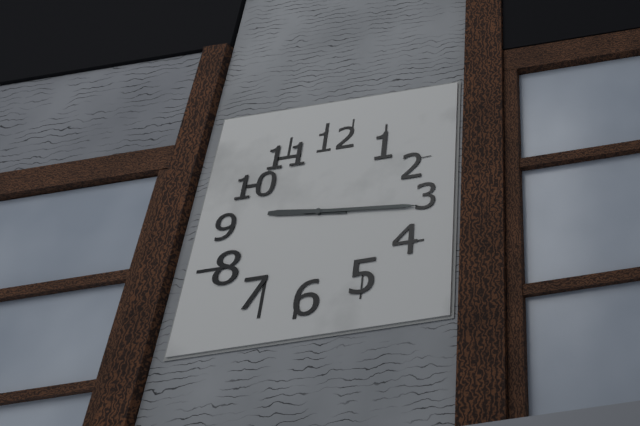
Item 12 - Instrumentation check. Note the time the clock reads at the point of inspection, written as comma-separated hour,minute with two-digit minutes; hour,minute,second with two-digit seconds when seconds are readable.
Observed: 9,16
